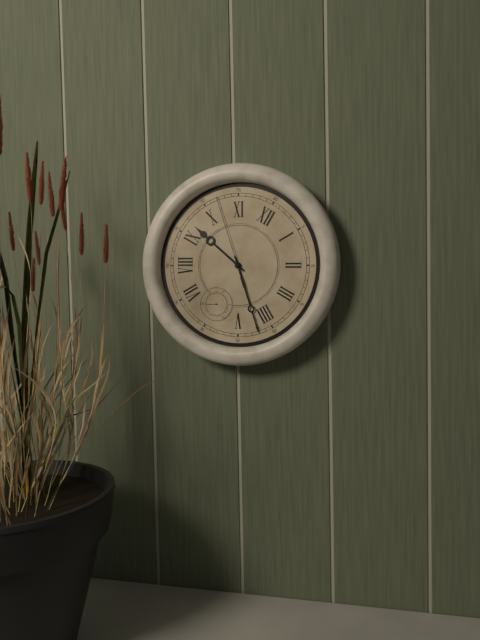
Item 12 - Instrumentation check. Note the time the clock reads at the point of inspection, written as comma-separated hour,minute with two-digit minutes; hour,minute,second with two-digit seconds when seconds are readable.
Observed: 9,22,52
